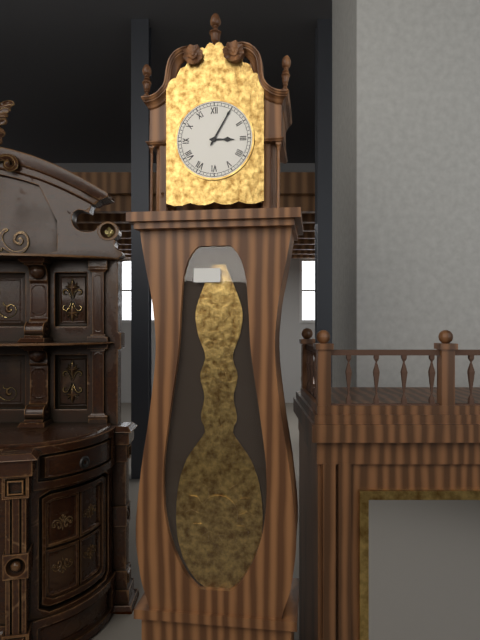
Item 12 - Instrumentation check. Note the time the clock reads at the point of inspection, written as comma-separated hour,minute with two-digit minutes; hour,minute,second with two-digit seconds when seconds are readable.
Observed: 3,05
